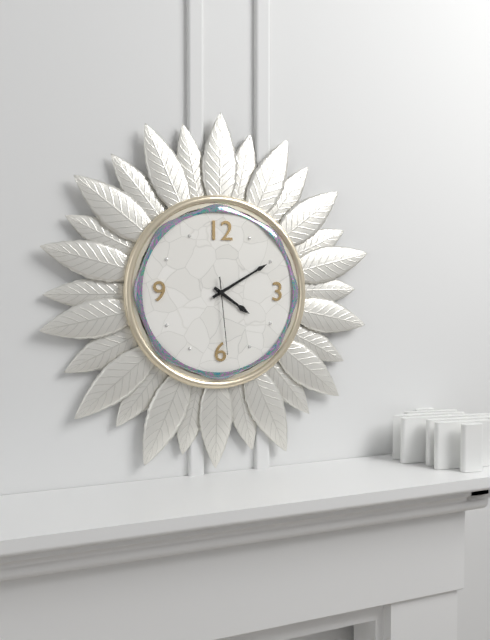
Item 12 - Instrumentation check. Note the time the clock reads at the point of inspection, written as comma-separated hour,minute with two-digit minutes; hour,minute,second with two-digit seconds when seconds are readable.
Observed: 4,10,29
